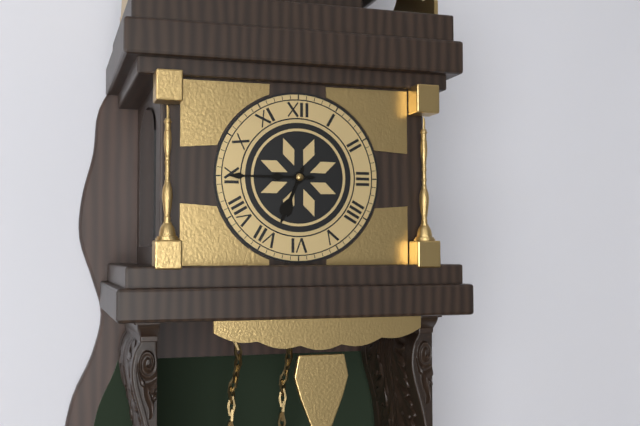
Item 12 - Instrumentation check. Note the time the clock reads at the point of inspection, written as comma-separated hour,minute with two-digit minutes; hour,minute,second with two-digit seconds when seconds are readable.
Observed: 6,45
